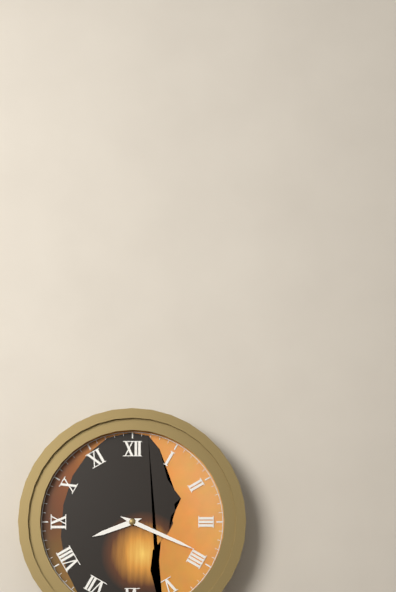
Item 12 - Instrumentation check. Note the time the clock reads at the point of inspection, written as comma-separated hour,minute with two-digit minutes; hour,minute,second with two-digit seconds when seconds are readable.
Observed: 8,19
